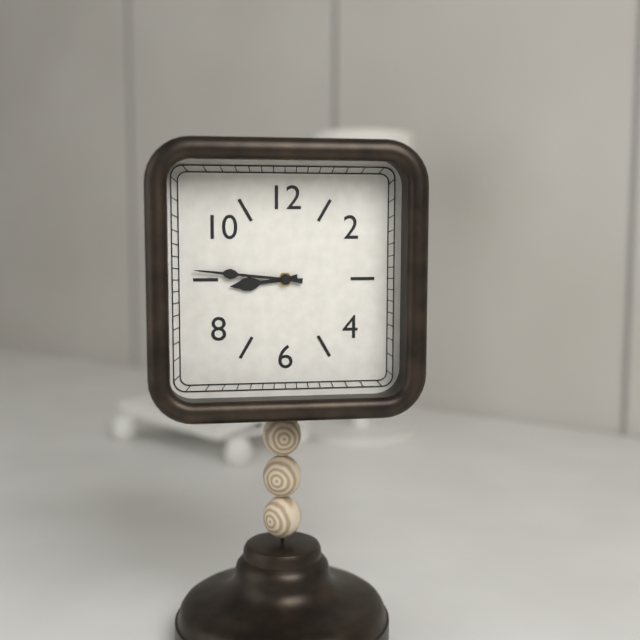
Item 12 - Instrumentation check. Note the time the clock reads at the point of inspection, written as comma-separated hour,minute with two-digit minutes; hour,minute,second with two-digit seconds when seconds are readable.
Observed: 8,46
